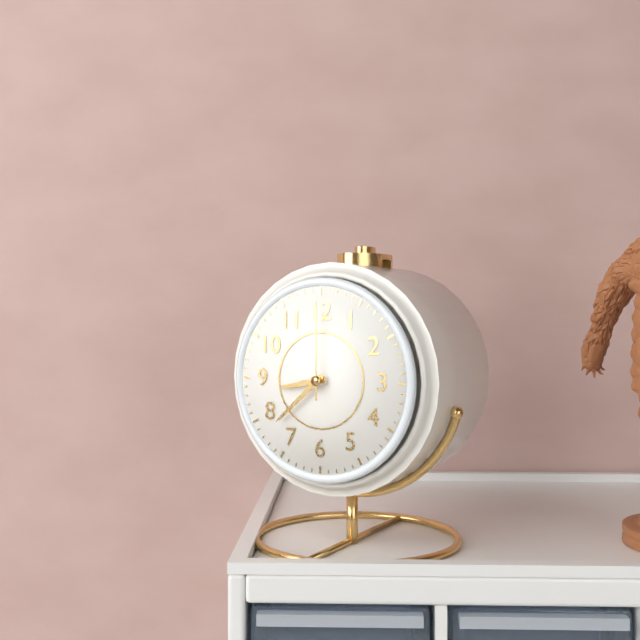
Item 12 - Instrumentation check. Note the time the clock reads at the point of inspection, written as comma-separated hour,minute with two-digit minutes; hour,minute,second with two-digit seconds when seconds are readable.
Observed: 8,38,00
